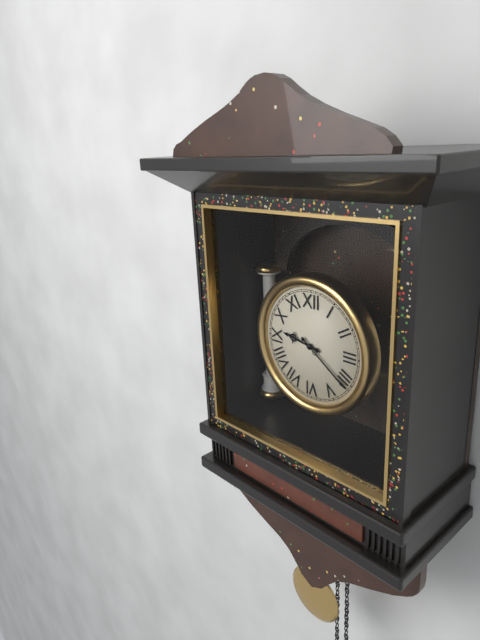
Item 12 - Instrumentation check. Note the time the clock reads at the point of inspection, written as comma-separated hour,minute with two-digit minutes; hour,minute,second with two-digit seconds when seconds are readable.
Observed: 9,21
